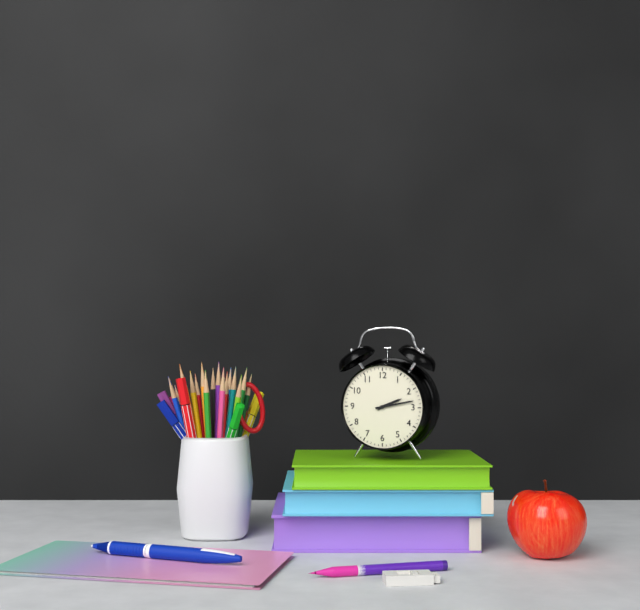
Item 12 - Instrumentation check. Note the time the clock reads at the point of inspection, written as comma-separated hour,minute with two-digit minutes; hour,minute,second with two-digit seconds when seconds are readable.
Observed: 2,13
